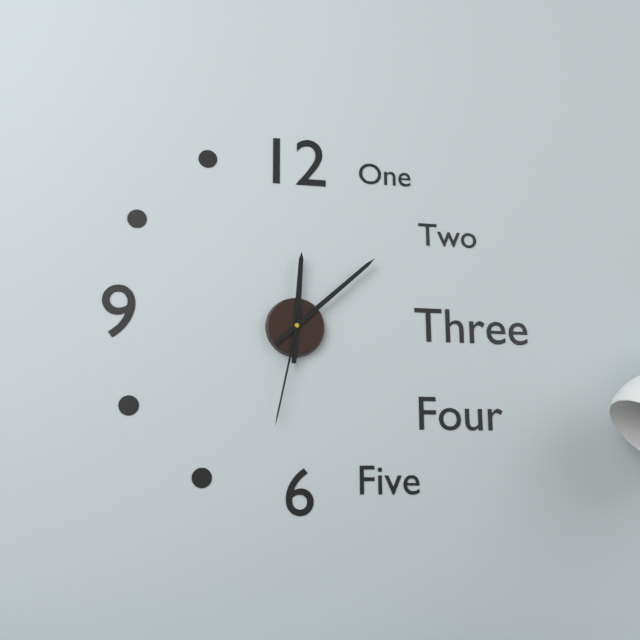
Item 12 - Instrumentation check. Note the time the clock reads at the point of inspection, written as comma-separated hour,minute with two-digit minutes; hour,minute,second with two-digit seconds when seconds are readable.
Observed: 12,08,32
